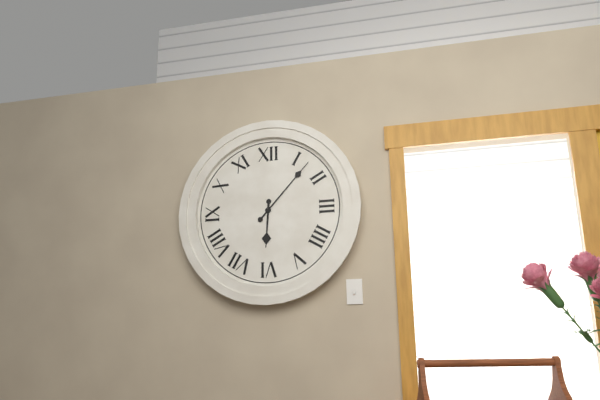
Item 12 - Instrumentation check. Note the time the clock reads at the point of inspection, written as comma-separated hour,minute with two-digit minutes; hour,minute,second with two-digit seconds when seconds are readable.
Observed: 6,07
